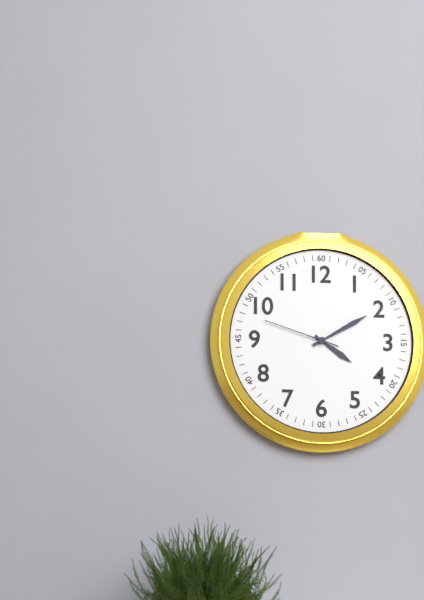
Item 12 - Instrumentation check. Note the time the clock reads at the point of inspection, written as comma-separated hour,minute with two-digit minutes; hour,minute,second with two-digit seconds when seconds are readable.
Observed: 4,10,48
